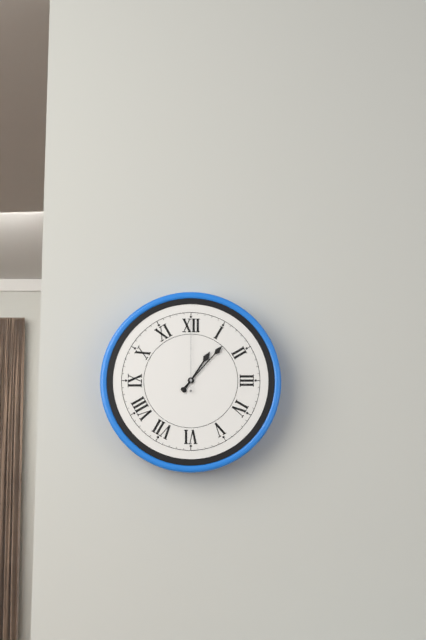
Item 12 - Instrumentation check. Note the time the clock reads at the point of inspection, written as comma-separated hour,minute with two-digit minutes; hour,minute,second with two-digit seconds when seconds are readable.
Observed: 1,07,00
